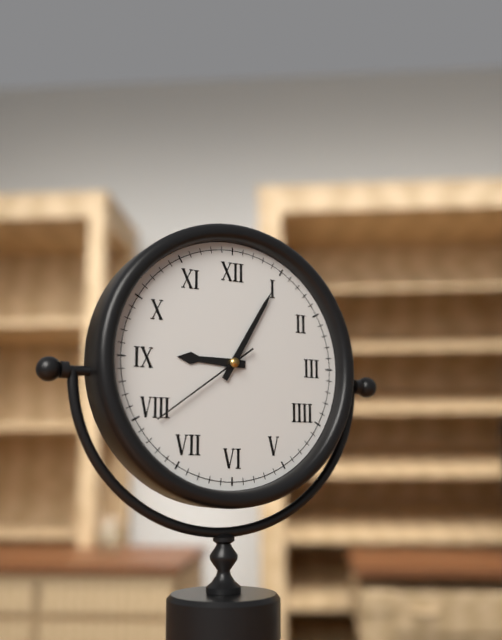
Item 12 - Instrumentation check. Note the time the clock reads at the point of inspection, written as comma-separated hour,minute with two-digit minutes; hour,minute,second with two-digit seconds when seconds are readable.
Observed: 9,05,39
